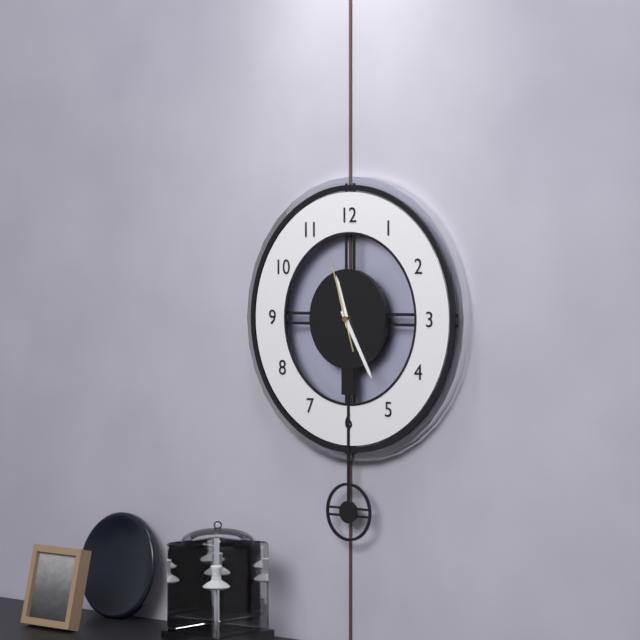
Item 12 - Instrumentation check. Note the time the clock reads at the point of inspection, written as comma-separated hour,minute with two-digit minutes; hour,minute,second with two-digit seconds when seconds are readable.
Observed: 11,25,57
